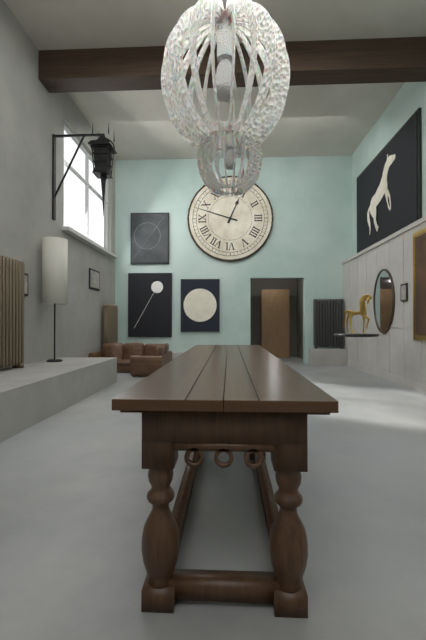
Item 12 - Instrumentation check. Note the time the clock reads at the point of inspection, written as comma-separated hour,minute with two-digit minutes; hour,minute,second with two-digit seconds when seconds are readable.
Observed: 12,48
